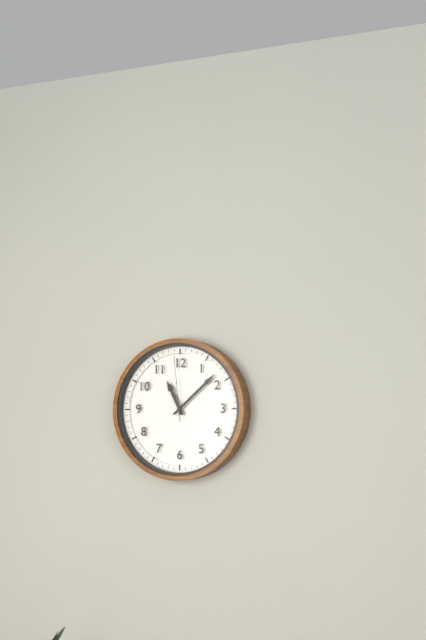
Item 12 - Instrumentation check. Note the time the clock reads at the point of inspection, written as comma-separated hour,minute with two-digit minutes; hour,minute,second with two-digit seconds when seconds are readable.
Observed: 11,08,59
